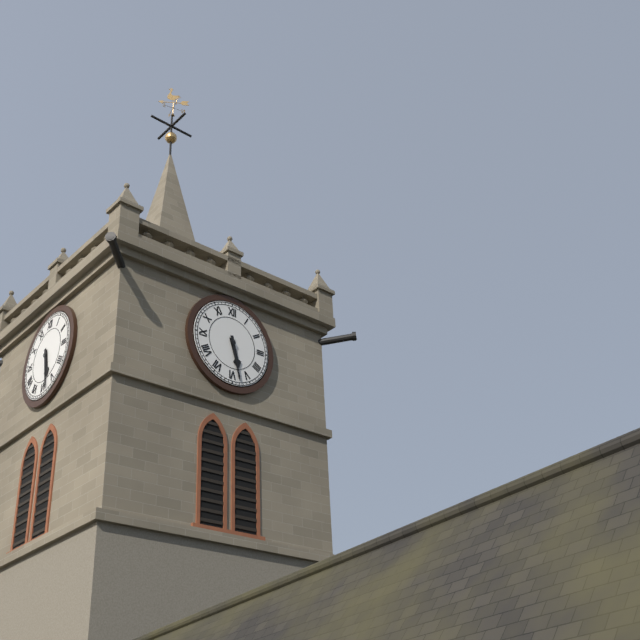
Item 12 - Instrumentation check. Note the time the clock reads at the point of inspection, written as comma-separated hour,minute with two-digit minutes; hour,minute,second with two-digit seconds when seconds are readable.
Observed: 5,28
